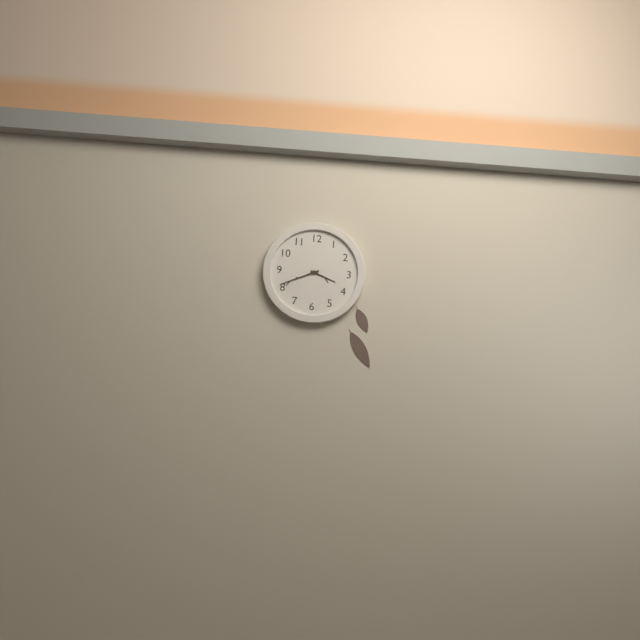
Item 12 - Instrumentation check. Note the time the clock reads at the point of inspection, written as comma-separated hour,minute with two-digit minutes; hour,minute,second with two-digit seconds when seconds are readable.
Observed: 3,41
